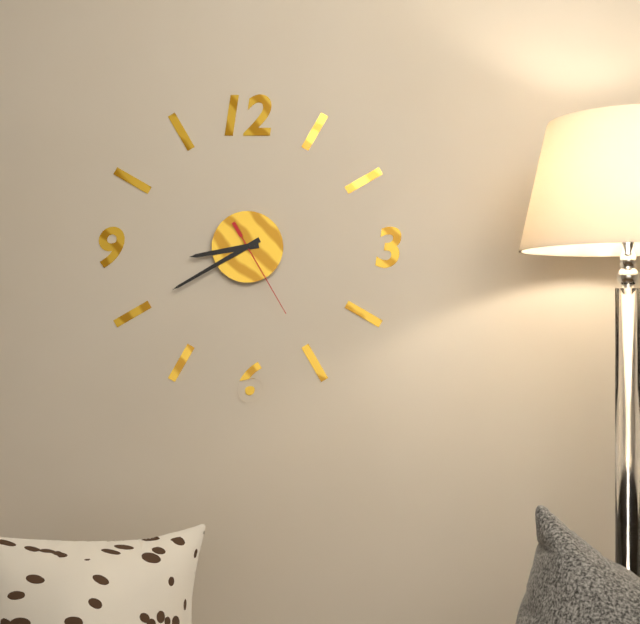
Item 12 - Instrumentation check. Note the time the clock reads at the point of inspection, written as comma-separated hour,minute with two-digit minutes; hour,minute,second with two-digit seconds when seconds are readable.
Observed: 8,40,25
